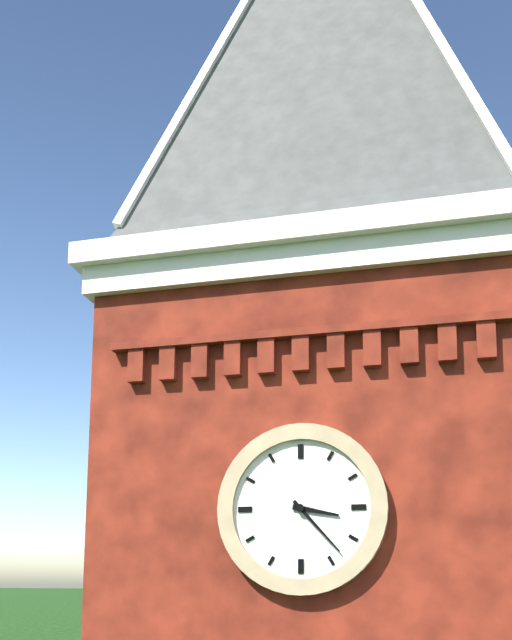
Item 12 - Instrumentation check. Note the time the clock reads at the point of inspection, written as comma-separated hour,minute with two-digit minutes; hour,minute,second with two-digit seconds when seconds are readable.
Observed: 3,23
